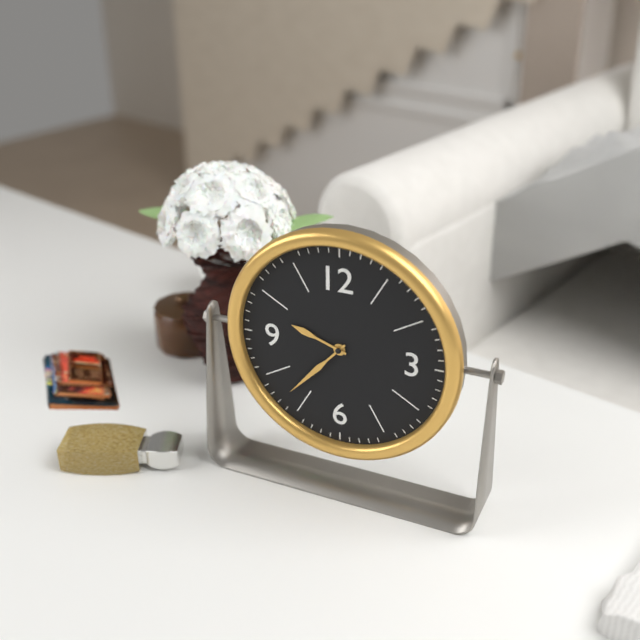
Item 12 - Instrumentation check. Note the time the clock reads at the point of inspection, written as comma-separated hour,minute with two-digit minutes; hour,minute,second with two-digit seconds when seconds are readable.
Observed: 9,37
